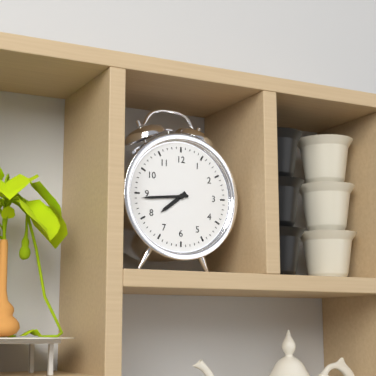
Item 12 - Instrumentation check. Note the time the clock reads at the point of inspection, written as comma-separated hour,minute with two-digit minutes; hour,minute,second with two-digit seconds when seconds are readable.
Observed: 7,44
